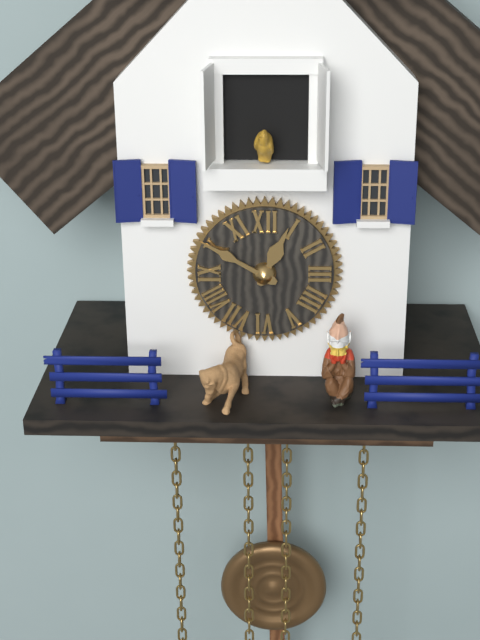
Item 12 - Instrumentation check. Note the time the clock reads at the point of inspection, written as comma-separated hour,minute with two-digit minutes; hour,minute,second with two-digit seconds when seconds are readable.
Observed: 12,50
